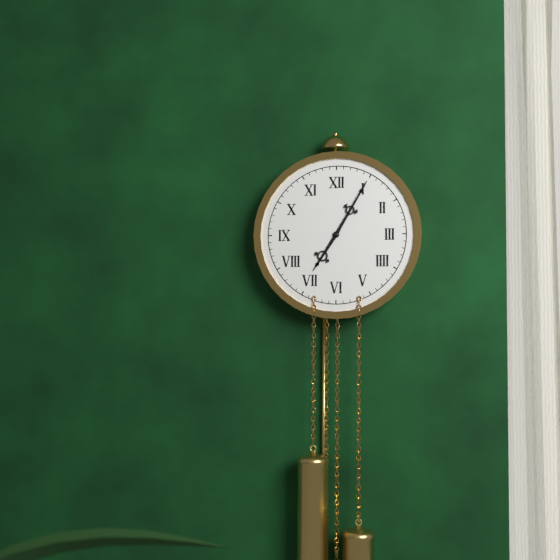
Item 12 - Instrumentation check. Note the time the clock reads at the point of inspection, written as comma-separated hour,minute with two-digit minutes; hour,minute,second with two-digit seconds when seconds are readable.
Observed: 7,05
